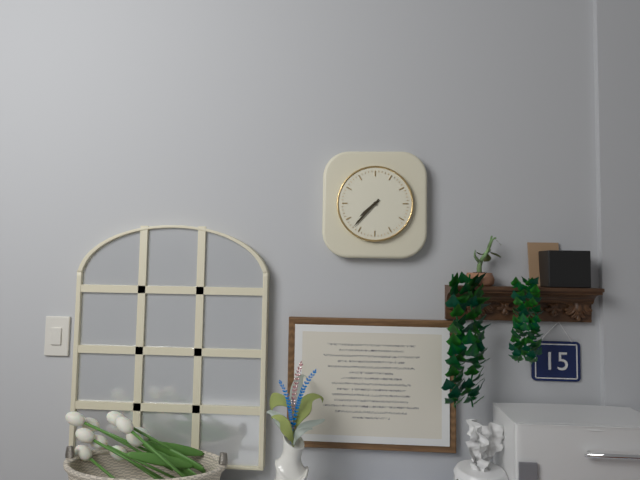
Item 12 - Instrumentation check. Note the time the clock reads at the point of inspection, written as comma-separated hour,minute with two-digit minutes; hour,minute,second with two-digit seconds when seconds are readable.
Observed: 7,37
